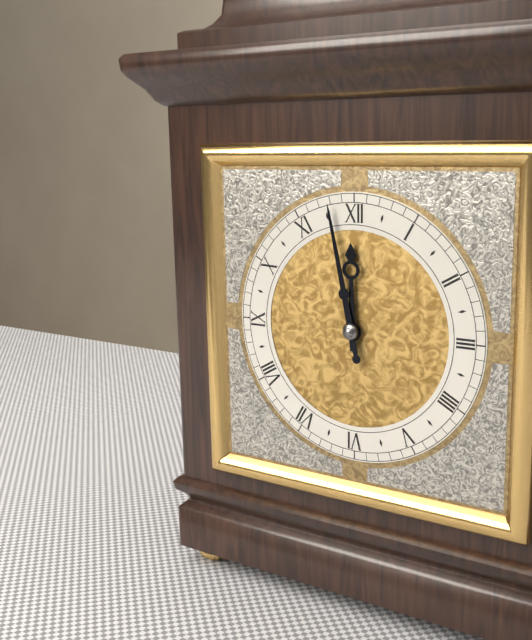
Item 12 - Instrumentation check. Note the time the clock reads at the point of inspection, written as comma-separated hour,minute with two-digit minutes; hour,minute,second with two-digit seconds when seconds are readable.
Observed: 11,58
